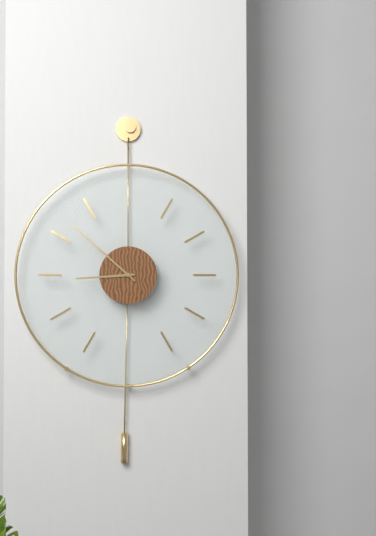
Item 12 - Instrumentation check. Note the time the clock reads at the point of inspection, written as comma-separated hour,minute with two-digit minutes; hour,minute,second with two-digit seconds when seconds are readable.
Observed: 8,52
